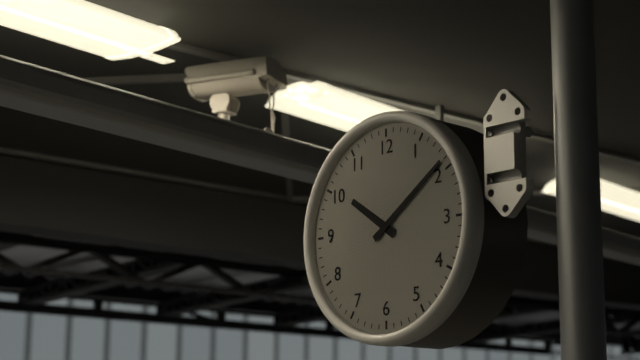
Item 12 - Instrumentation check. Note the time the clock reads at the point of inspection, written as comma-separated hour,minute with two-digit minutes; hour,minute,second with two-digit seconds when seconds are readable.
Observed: 10,09
